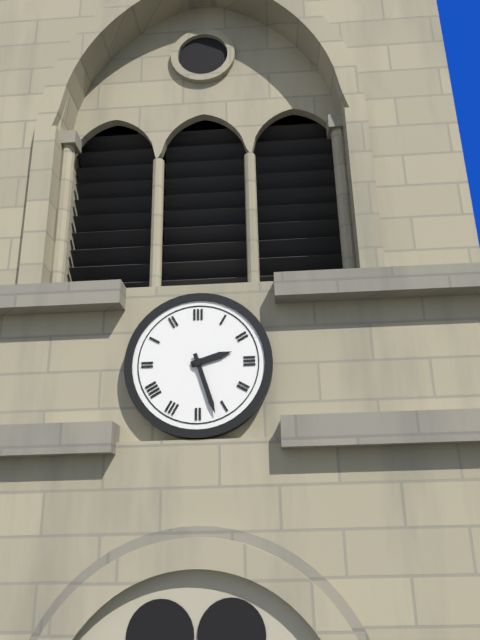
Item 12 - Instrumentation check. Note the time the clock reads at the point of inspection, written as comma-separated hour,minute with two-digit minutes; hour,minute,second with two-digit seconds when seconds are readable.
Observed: 2,27
